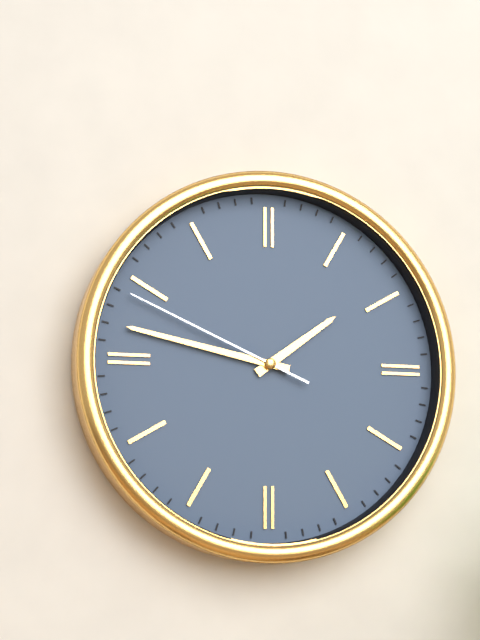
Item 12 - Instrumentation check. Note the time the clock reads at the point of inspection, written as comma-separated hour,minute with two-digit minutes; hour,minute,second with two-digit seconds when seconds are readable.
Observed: 1,47,49
